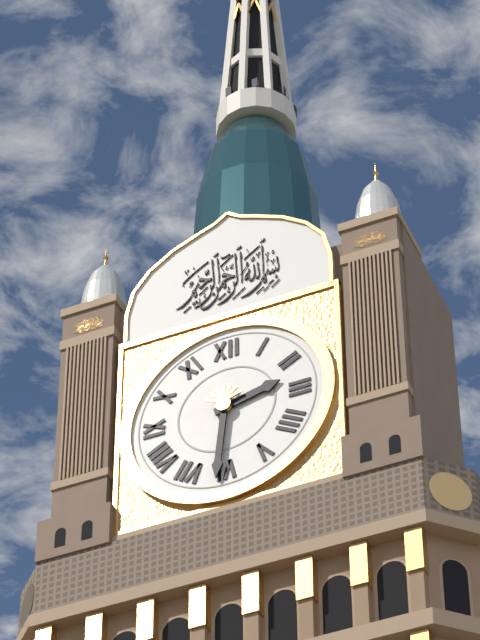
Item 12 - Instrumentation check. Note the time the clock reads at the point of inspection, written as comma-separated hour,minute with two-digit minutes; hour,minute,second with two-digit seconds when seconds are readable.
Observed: 2,31
